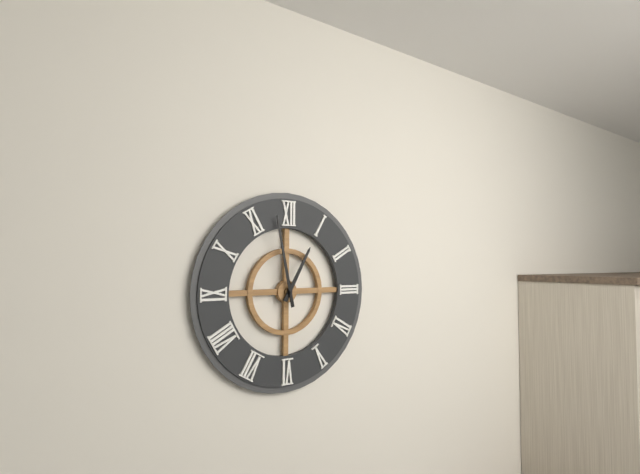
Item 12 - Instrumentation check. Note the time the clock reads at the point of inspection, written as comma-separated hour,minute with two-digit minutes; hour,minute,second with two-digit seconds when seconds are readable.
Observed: 12,58
